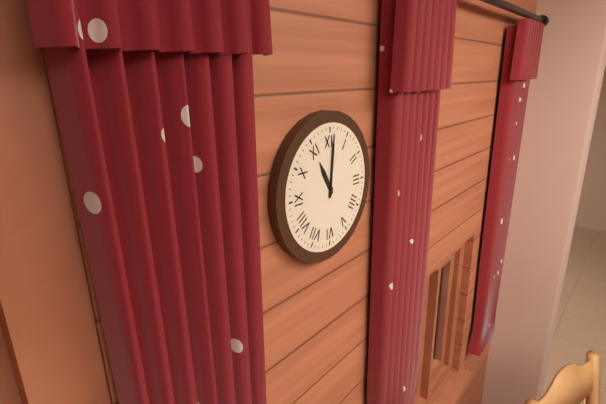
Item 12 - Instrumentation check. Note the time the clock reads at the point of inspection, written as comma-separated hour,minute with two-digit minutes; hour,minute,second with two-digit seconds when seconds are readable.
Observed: 11,01
